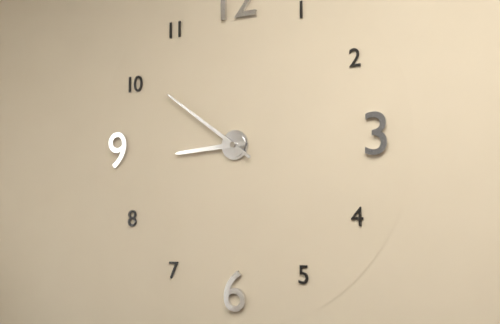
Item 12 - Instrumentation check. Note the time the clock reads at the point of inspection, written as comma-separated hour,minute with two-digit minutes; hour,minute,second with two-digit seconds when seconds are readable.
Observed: 8,51
